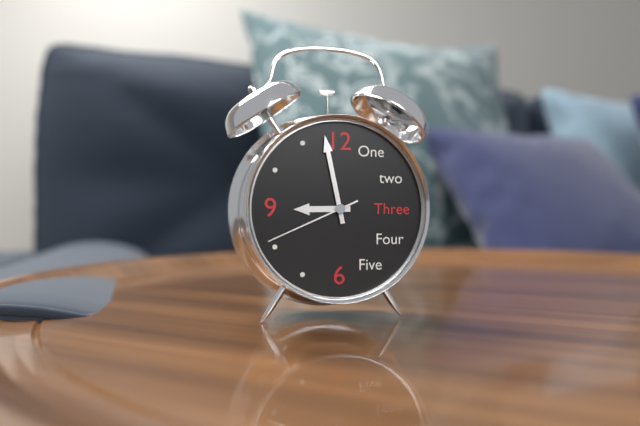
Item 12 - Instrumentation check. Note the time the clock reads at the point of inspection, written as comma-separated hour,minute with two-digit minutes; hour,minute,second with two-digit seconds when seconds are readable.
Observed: 8,58,41
